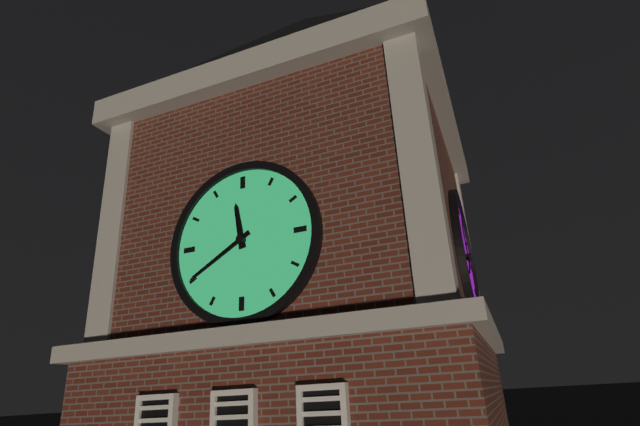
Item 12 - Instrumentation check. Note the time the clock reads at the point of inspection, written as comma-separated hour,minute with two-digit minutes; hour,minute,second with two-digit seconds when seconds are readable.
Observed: 11,40
